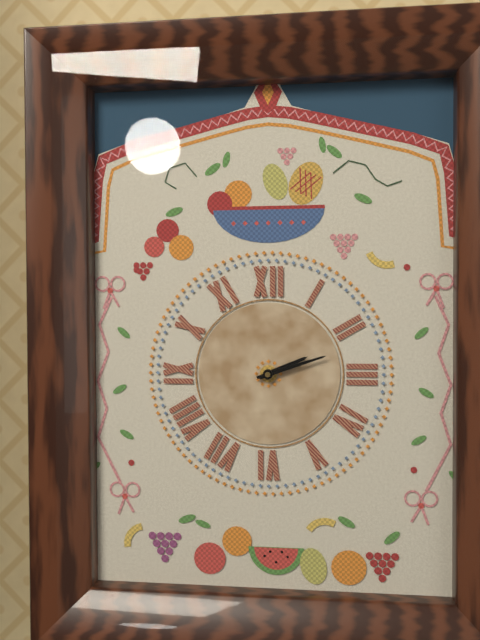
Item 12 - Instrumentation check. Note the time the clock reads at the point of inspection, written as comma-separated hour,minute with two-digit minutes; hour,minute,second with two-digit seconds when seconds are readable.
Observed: 2,12
